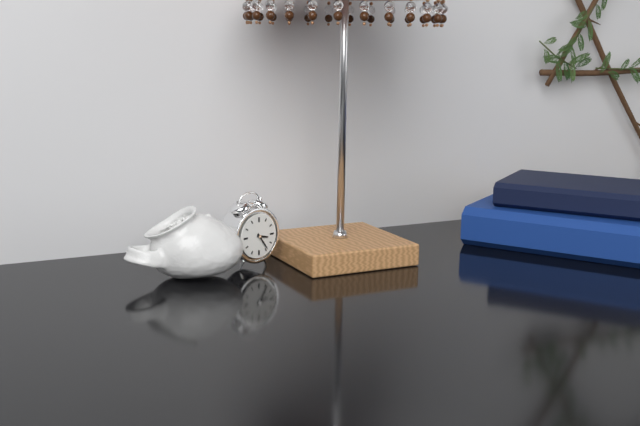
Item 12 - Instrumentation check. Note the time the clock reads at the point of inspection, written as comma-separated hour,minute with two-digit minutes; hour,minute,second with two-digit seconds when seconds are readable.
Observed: 3,24
